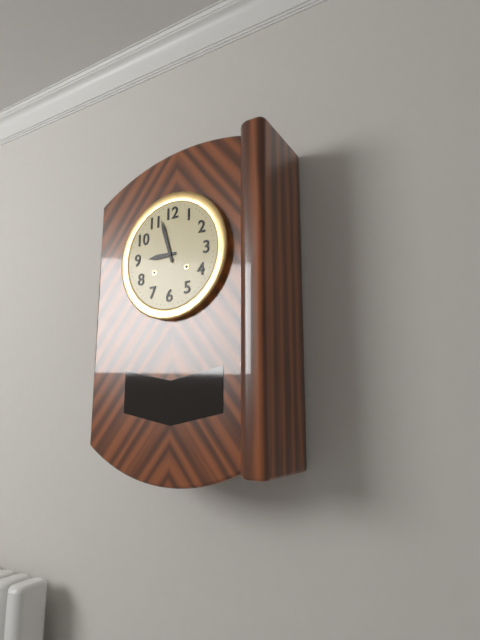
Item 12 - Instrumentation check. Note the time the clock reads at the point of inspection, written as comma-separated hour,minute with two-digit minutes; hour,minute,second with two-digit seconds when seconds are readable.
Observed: 8,57
